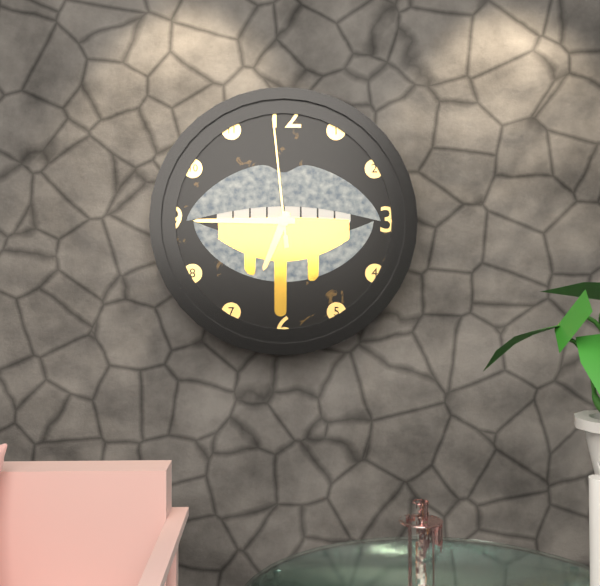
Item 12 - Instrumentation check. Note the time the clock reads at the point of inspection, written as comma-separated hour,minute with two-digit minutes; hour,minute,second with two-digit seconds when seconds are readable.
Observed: 6,45,59
